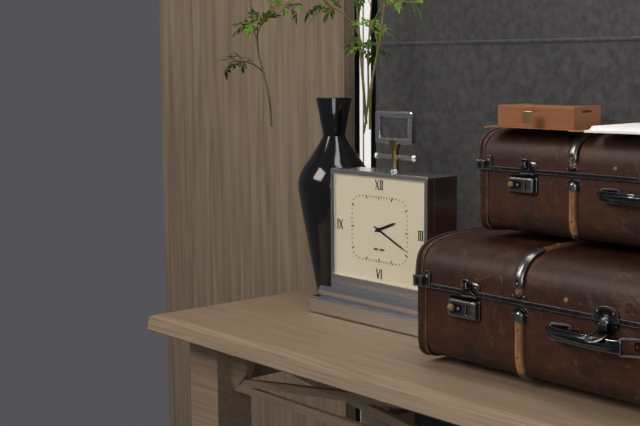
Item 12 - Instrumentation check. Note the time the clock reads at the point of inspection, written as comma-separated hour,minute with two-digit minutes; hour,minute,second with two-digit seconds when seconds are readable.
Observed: 2,19
